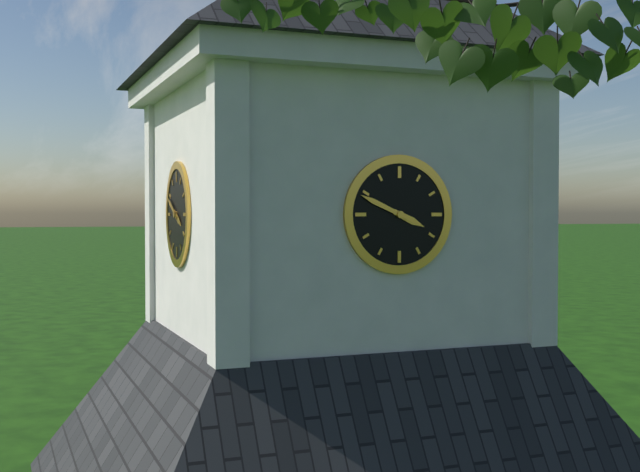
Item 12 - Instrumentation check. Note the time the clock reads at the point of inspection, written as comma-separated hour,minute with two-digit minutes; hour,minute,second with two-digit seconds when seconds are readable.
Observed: 3,49
